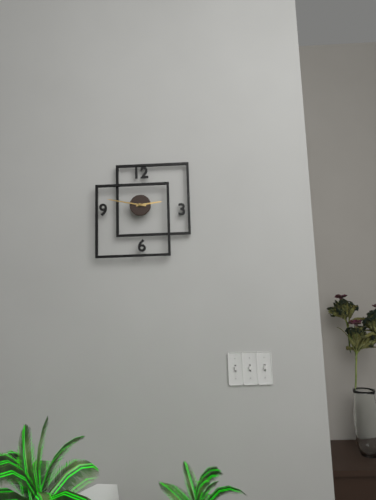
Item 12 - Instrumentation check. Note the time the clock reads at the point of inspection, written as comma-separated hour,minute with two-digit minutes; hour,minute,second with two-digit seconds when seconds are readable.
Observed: 2,47
